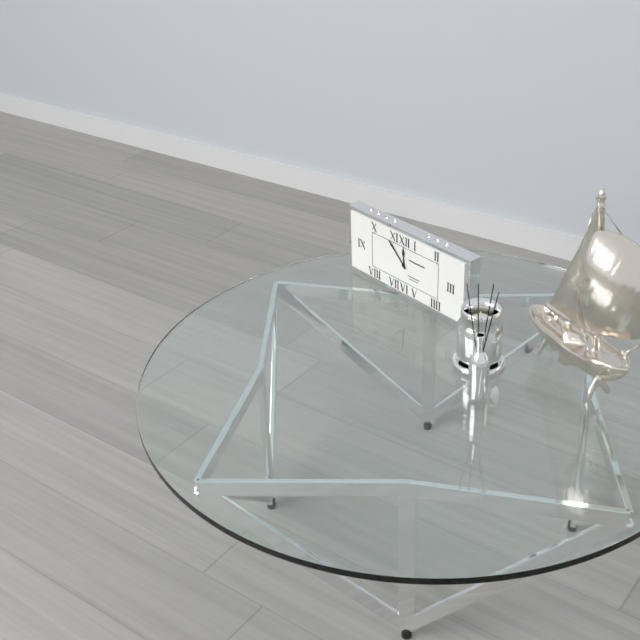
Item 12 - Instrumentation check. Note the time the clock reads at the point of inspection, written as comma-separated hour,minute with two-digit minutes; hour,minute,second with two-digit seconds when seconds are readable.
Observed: 11,52
